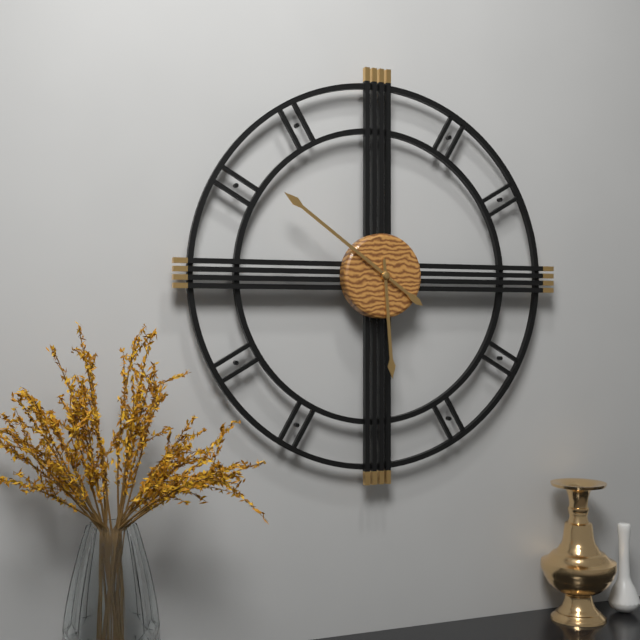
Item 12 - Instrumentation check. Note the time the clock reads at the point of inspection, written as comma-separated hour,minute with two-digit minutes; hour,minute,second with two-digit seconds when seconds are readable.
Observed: 5,51
